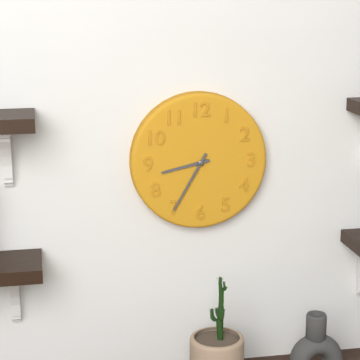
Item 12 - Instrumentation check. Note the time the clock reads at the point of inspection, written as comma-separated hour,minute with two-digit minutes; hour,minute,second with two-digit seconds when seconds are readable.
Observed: 8,35
